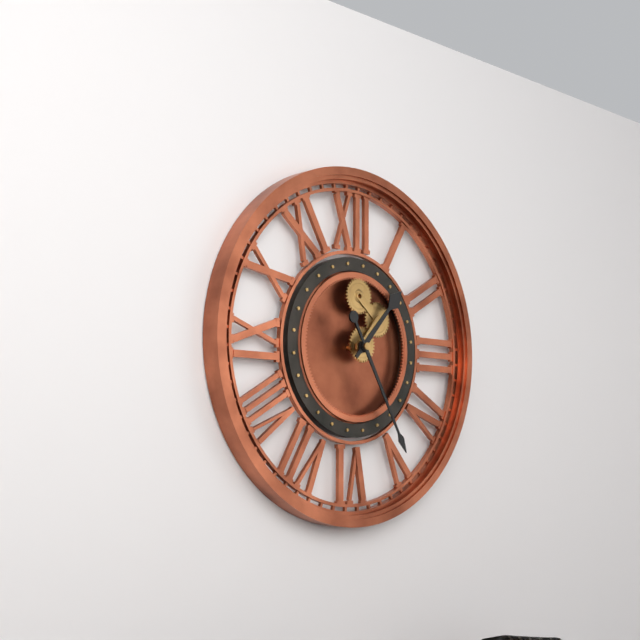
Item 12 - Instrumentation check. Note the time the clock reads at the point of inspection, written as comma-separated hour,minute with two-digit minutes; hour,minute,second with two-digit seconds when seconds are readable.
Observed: 1,25
